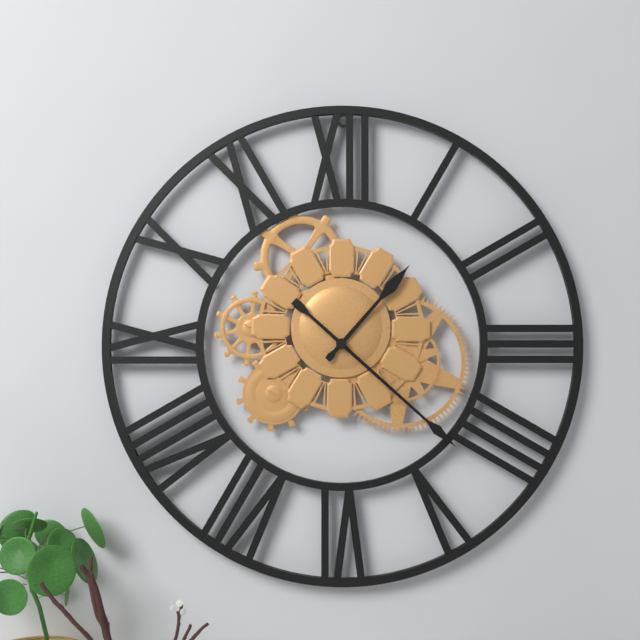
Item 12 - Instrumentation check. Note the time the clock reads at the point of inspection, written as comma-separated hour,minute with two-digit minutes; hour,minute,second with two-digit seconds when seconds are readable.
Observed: 1,22
